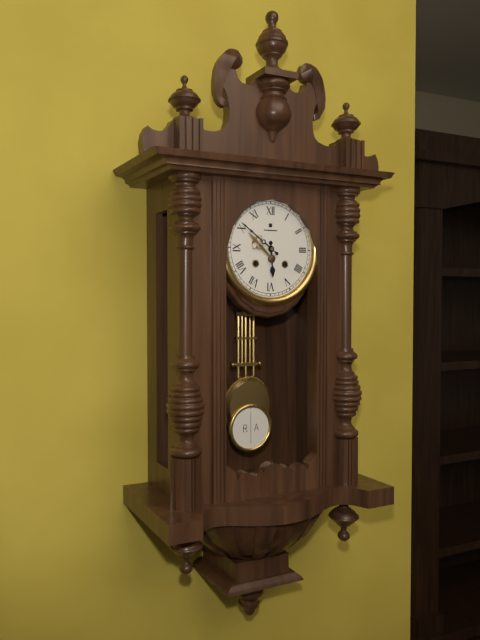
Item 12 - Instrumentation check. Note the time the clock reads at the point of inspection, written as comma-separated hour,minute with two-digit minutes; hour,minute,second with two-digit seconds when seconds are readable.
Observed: 5,51
